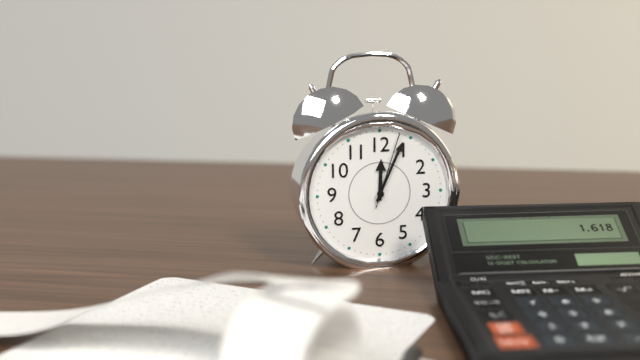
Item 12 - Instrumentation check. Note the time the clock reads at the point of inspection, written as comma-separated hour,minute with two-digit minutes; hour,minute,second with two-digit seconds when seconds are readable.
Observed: 12,04,03
